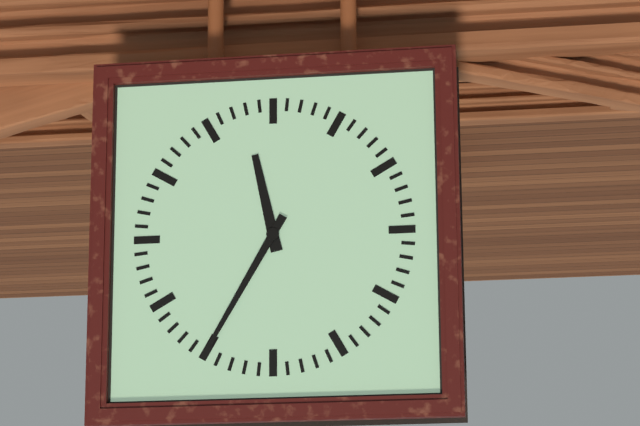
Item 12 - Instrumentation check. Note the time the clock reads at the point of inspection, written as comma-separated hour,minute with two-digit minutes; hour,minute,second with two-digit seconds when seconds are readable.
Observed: 11,35
